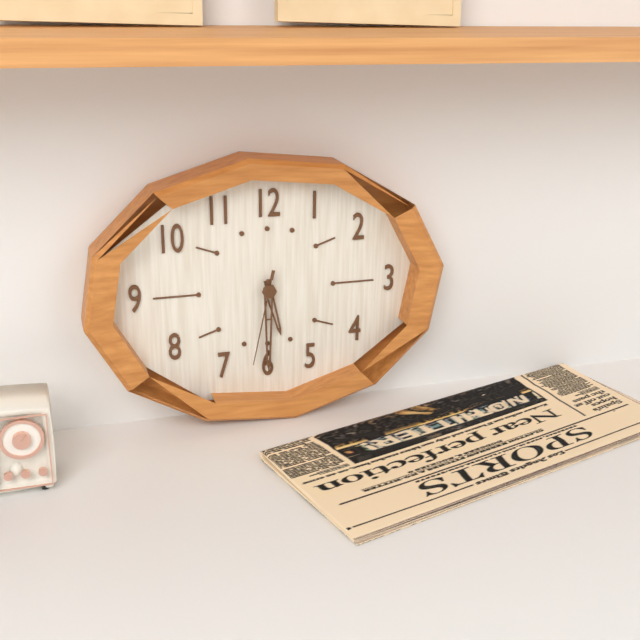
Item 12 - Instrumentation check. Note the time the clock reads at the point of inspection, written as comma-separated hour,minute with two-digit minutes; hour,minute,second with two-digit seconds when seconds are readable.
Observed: 5,30,32
